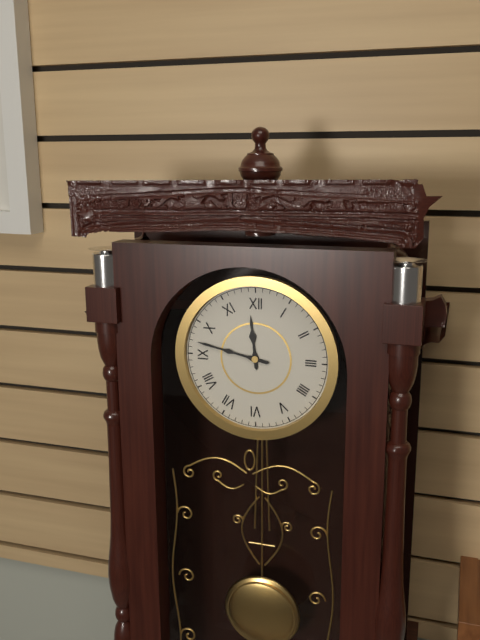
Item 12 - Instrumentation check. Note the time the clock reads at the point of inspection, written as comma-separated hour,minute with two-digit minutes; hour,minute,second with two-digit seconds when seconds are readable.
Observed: 11,47
